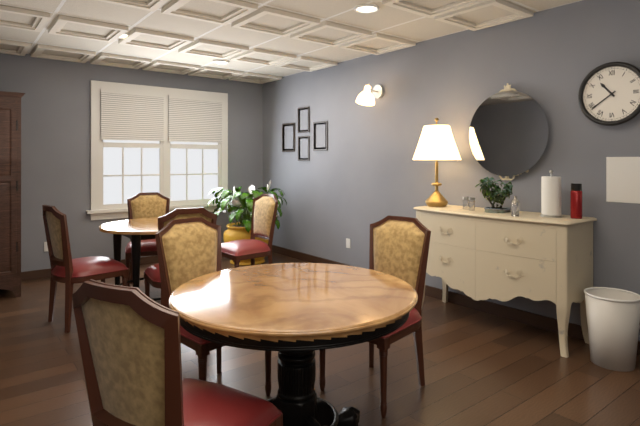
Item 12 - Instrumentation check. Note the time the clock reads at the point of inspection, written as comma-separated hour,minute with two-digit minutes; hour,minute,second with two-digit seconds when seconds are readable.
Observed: 10,39
